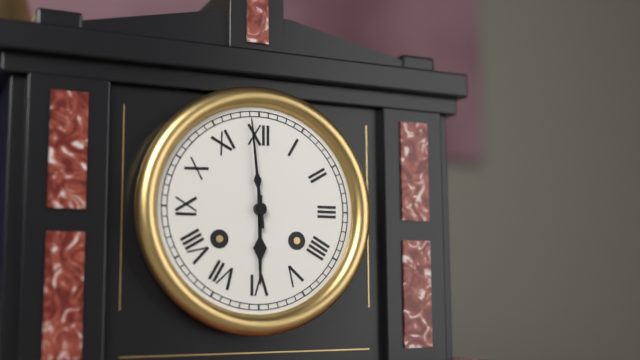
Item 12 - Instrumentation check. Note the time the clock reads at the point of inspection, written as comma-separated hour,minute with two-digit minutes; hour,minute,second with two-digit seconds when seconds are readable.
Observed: 5,59
